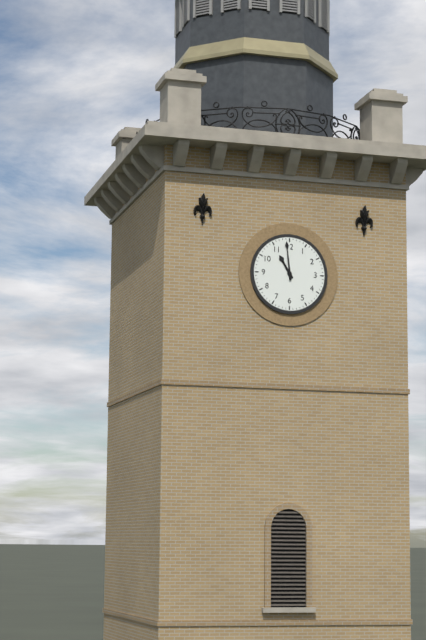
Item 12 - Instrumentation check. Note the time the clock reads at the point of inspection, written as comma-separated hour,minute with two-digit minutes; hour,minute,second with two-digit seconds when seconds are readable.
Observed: 10,59
